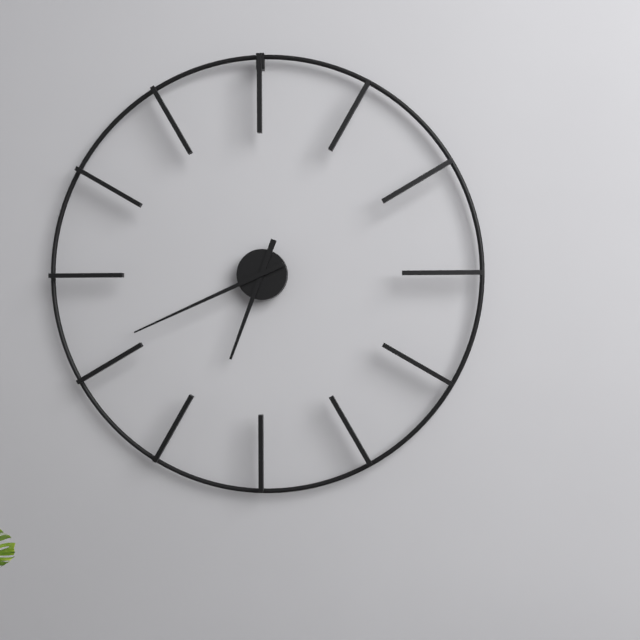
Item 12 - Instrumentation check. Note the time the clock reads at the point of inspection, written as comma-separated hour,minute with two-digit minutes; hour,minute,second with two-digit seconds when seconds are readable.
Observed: 6,41
